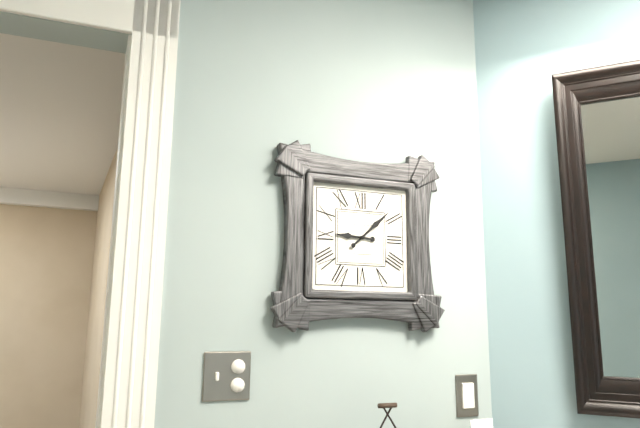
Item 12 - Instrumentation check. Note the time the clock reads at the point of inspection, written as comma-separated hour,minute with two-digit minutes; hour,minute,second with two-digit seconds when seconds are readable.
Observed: 9,08
